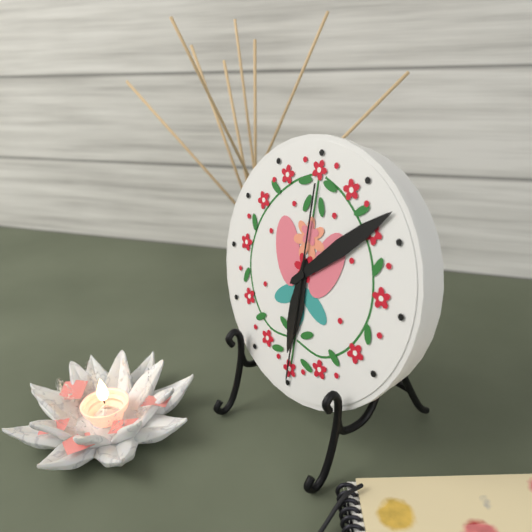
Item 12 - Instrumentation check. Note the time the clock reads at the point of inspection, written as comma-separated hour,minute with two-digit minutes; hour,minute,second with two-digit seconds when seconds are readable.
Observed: 6,08,30
